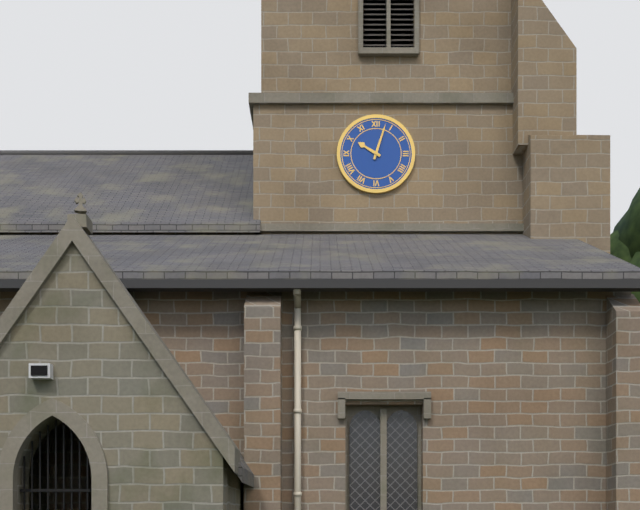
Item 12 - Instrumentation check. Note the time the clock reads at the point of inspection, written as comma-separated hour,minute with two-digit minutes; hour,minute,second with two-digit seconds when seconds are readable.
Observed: 10,03
